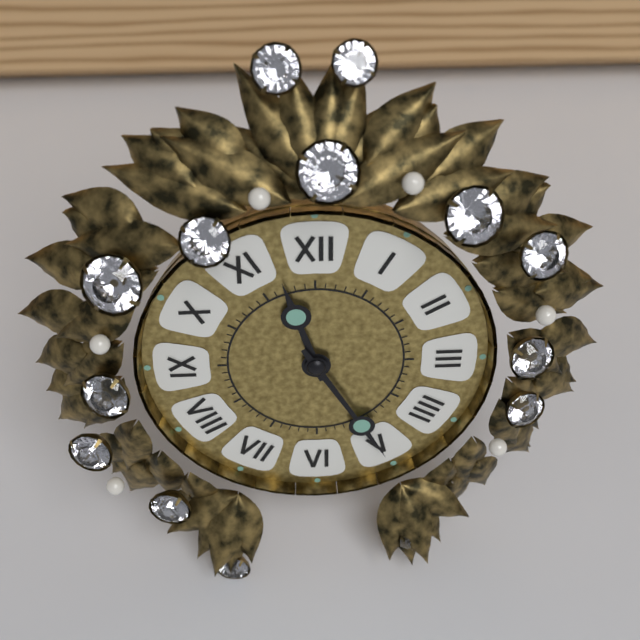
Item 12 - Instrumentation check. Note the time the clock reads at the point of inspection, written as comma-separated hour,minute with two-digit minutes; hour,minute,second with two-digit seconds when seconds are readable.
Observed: 11,25
